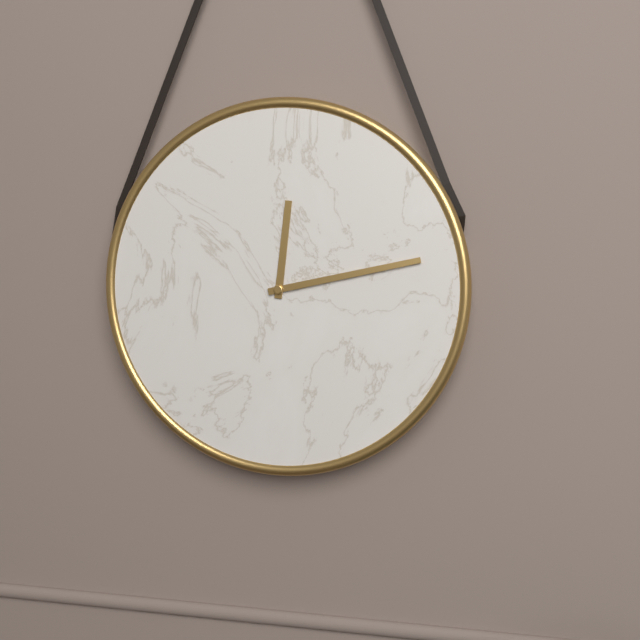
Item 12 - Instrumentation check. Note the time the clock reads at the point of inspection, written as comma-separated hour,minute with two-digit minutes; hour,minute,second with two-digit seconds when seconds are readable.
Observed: 12,13
